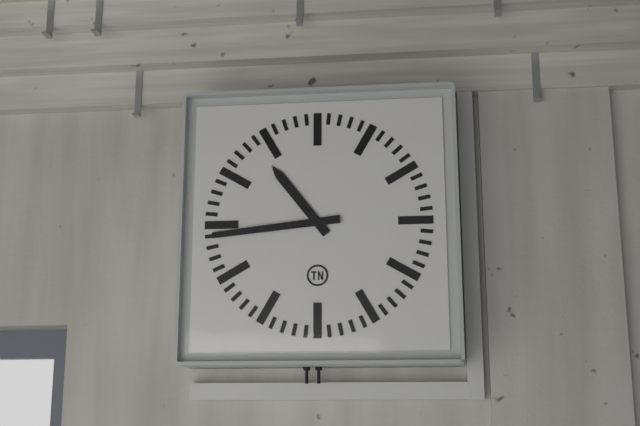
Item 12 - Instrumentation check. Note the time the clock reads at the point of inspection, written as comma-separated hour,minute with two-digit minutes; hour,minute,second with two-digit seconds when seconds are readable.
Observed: 10,44
